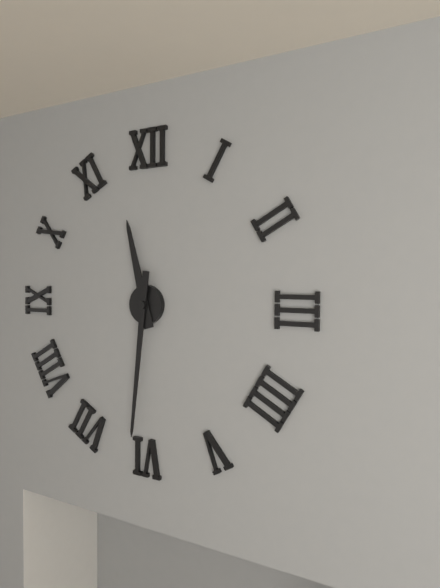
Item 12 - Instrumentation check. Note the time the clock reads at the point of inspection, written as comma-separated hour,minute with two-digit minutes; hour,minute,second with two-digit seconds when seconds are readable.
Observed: 11,31
